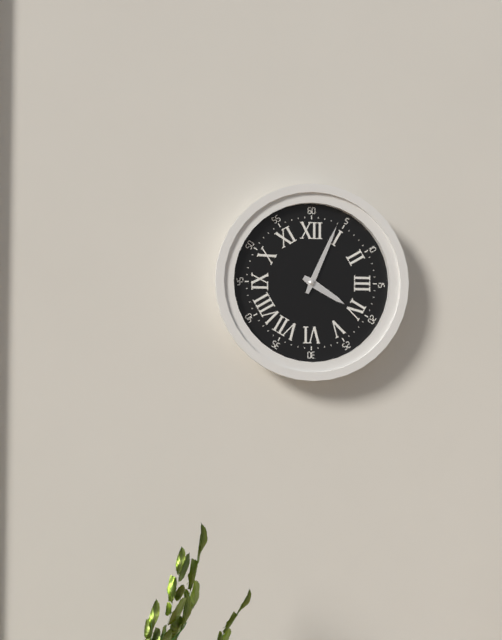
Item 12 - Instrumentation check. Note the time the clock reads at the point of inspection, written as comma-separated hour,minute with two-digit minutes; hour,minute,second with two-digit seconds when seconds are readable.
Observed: 4,04
